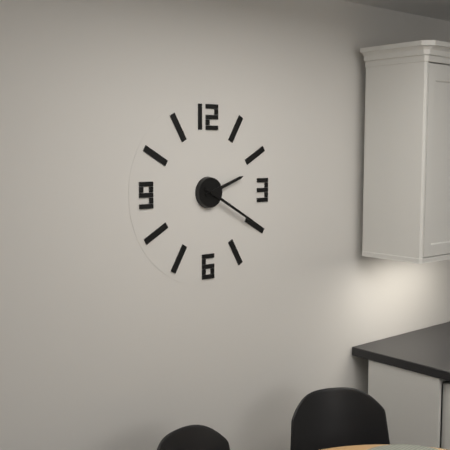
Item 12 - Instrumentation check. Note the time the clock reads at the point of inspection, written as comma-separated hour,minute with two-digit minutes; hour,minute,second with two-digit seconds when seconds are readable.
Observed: 2,20
